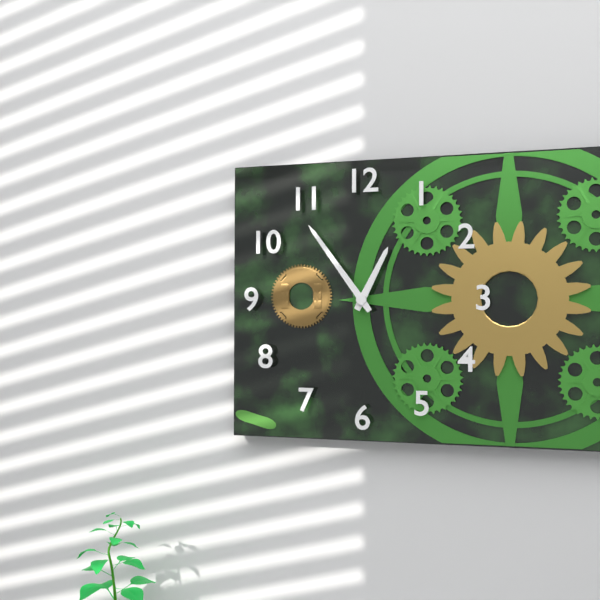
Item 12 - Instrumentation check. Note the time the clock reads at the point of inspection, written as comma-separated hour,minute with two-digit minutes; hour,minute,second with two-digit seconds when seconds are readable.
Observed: 12,54
